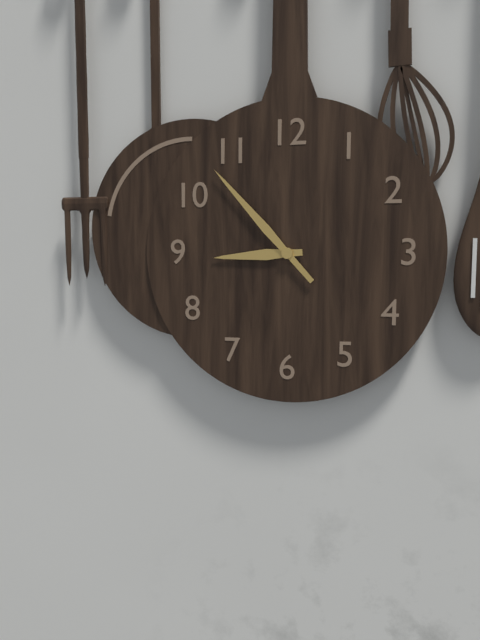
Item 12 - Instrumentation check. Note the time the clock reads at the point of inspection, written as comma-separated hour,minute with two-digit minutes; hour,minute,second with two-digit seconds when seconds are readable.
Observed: 8,53
